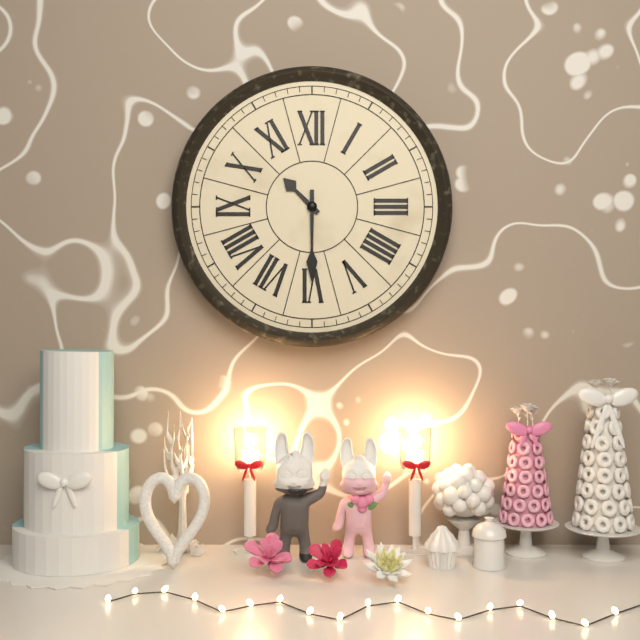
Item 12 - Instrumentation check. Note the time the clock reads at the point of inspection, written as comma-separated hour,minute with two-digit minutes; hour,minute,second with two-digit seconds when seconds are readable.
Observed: 10,30
